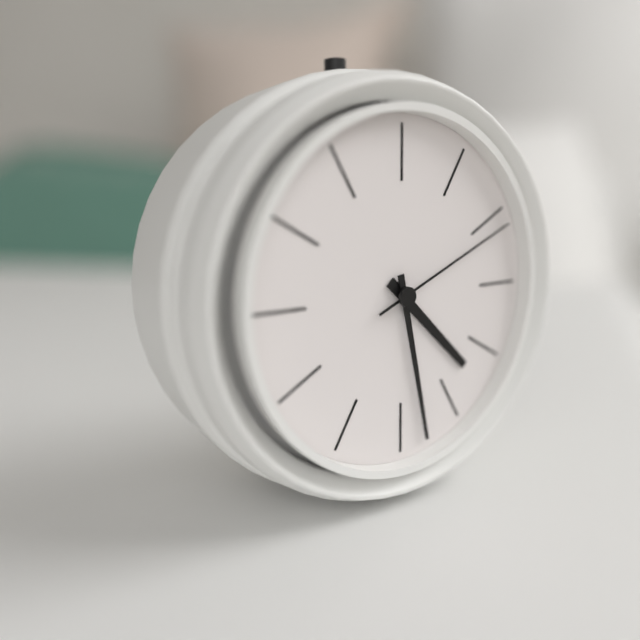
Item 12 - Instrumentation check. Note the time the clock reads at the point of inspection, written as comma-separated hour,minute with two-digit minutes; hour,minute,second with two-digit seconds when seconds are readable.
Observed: 4,28,11
